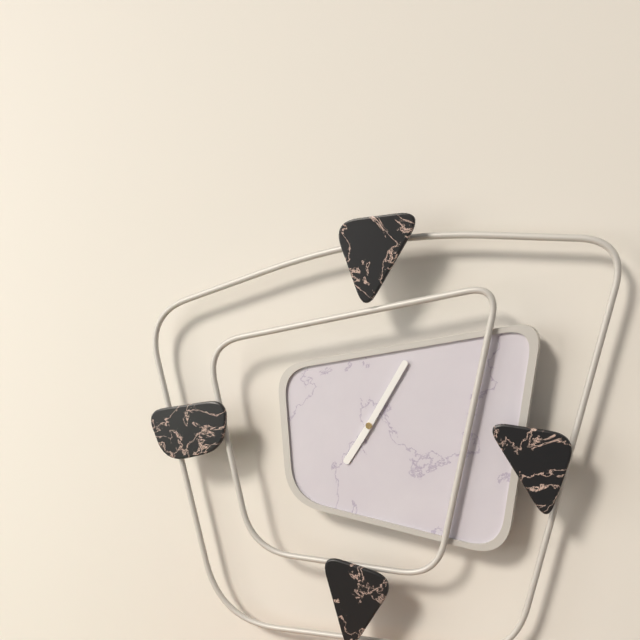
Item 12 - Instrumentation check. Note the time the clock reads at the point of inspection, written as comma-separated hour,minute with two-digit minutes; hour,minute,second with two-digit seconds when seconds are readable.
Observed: 7,05
